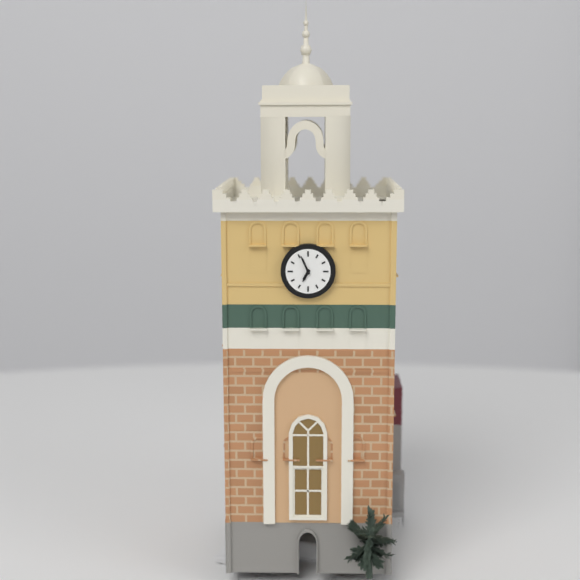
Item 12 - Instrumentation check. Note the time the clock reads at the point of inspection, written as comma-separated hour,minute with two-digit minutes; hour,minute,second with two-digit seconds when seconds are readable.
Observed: 6,56
